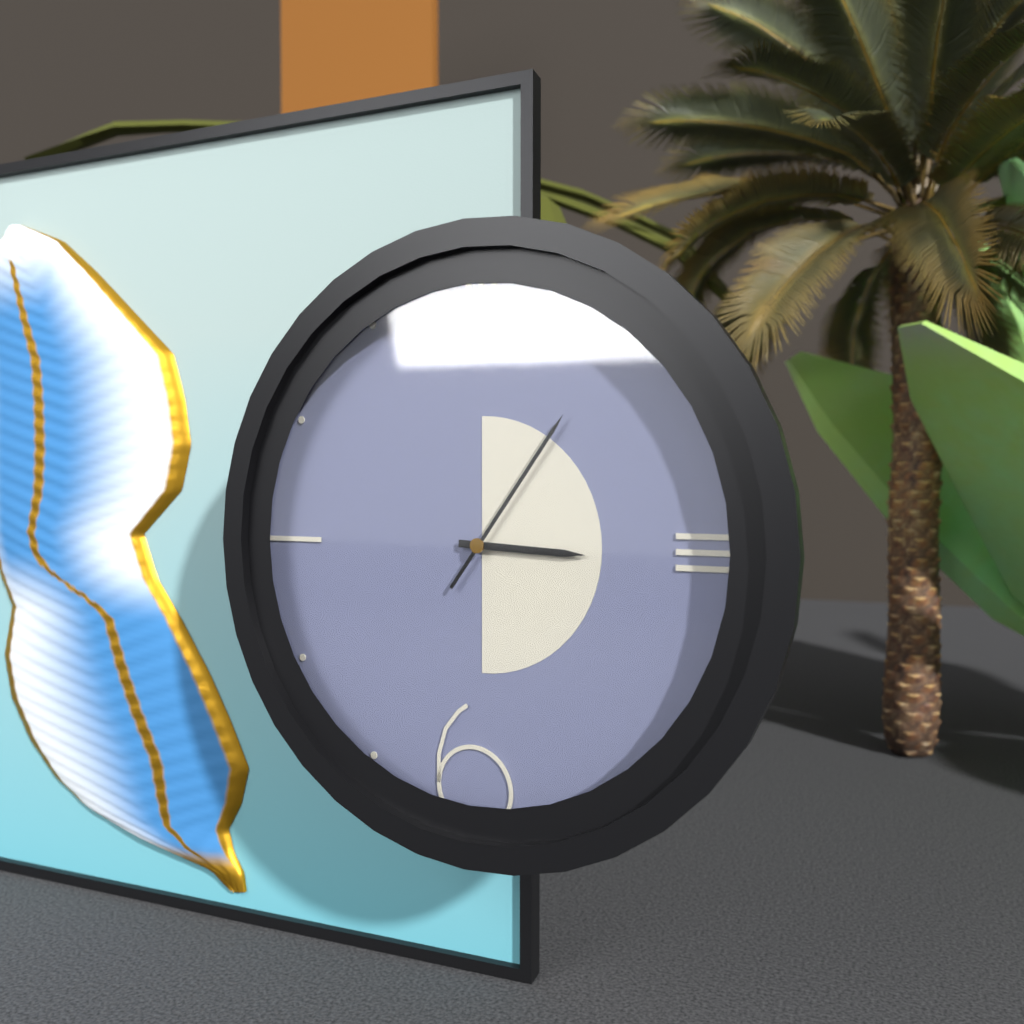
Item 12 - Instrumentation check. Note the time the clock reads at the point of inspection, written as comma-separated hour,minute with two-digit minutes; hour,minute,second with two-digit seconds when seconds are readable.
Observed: 3,06
